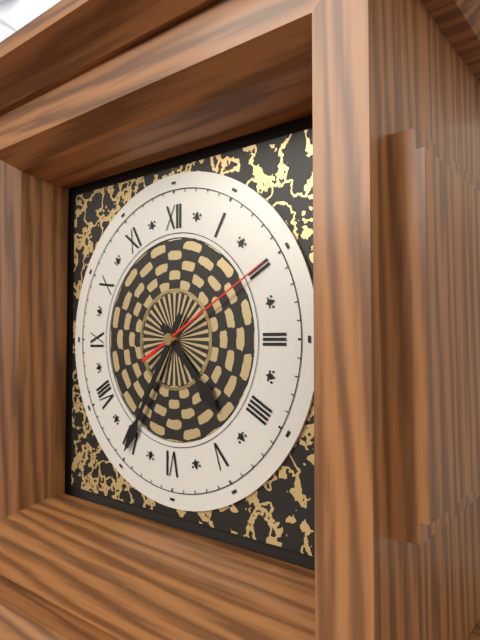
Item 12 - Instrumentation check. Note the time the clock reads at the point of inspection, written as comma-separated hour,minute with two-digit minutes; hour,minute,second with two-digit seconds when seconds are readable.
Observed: 4,35,10
